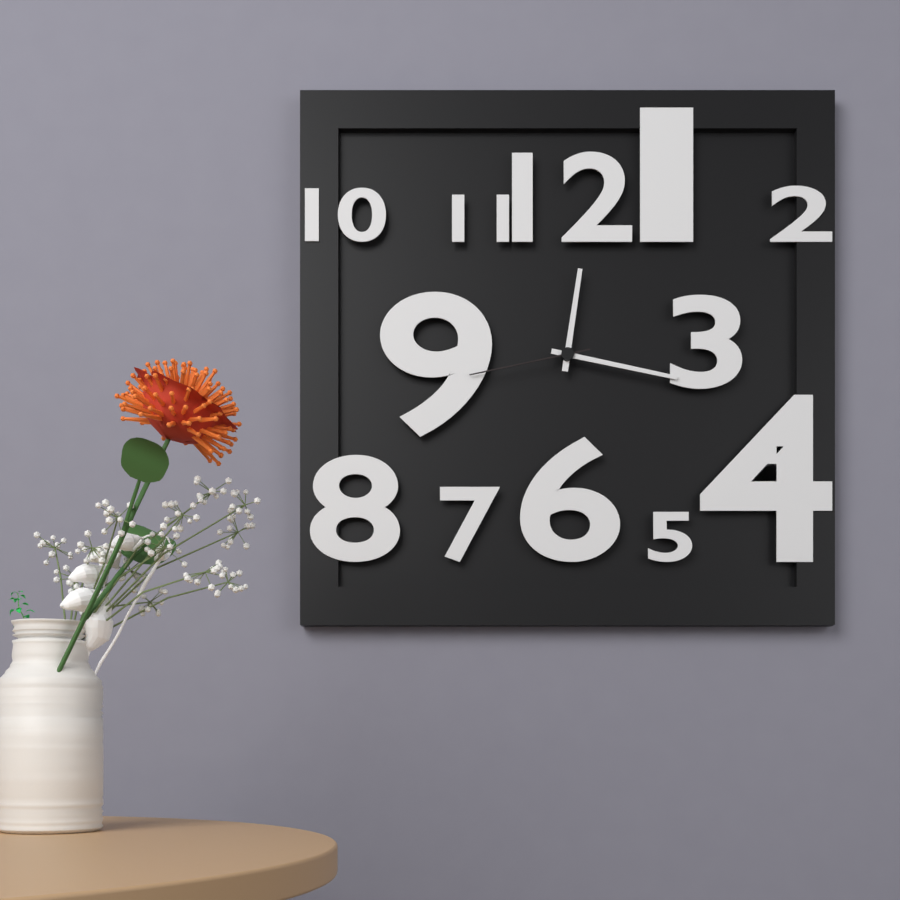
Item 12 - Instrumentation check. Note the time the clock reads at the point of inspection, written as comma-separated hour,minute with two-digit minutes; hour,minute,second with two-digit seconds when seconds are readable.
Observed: 12,17,43
